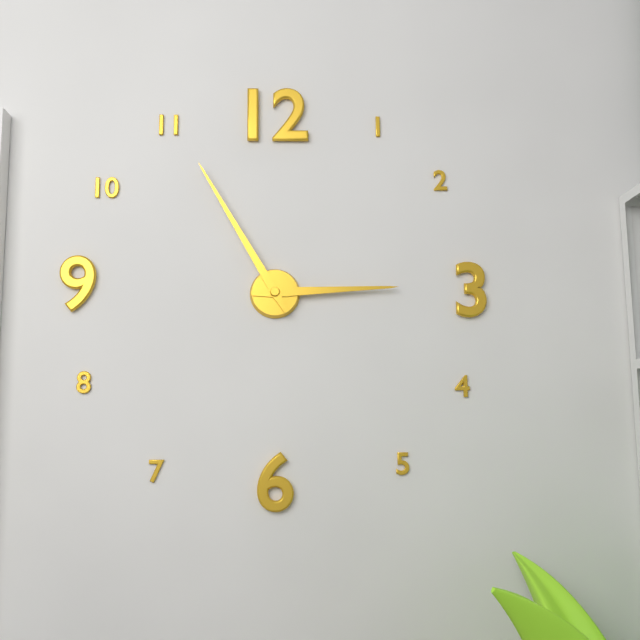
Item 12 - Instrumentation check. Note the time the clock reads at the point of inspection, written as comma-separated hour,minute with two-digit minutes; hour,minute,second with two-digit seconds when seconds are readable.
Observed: 2,55
